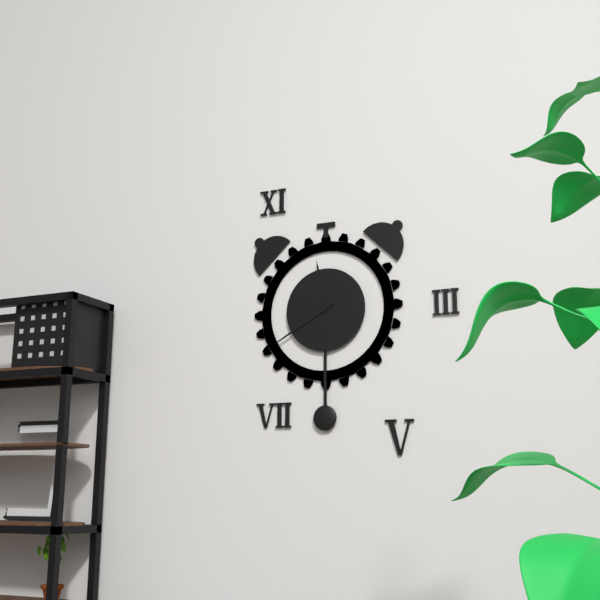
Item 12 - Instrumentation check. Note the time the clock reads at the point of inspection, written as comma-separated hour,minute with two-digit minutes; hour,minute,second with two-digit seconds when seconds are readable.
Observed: 11,40
